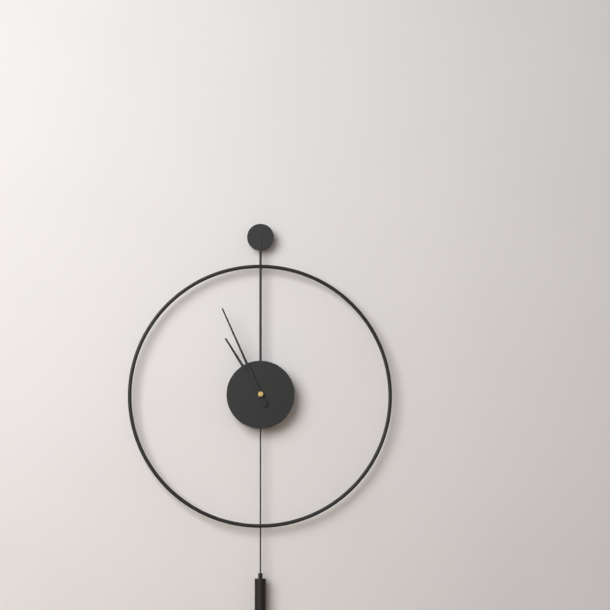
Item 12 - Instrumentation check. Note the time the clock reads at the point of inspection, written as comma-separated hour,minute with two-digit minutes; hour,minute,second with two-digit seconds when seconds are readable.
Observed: 10,56
